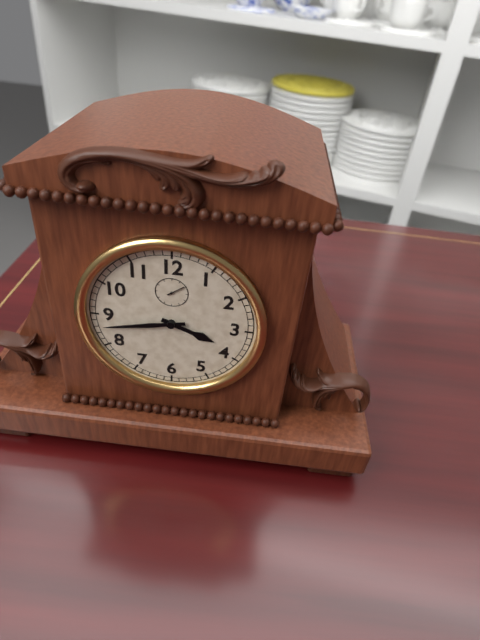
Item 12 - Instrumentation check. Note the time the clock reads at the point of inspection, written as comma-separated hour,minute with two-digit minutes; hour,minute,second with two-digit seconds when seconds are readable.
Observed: 3,43
